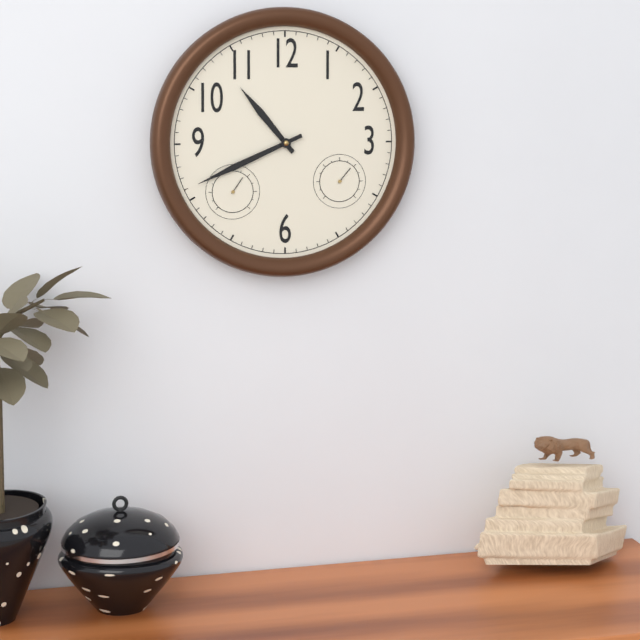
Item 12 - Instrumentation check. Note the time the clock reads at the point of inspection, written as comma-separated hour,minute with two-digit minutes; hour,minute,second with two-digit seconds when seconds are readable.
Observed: 10,41
